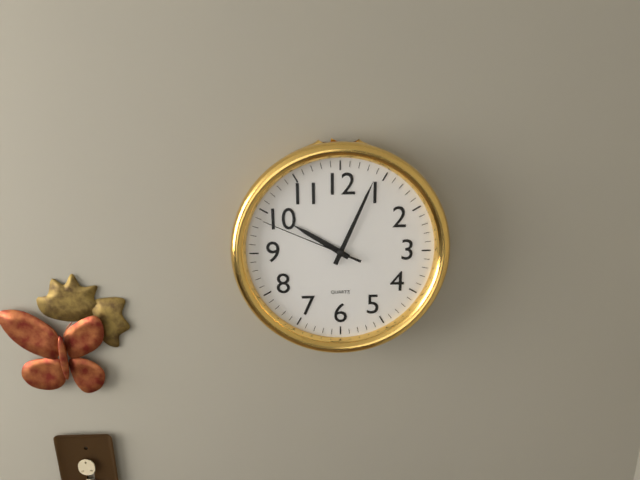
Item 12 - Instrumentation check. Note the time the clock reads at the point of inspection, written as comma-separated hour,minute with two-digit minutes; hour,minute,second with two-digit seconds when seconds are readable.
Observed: 10,04,49
